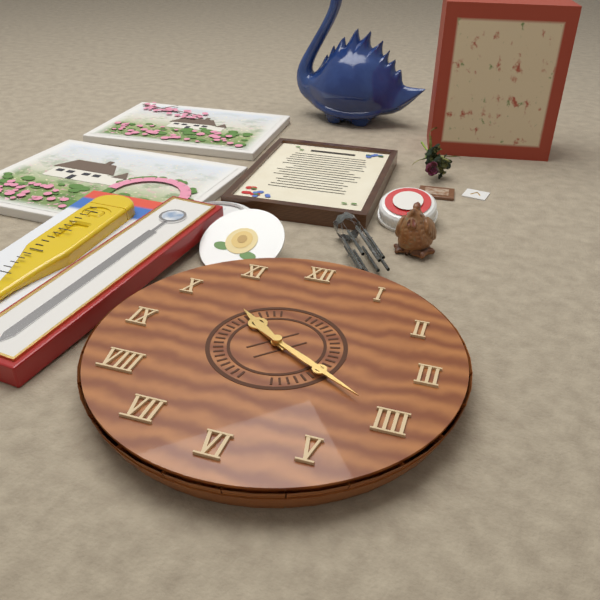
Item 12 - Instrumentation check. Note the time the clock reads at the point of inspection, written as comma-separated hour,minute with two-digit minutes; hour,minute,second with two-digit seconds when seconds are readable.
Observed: 10,20
